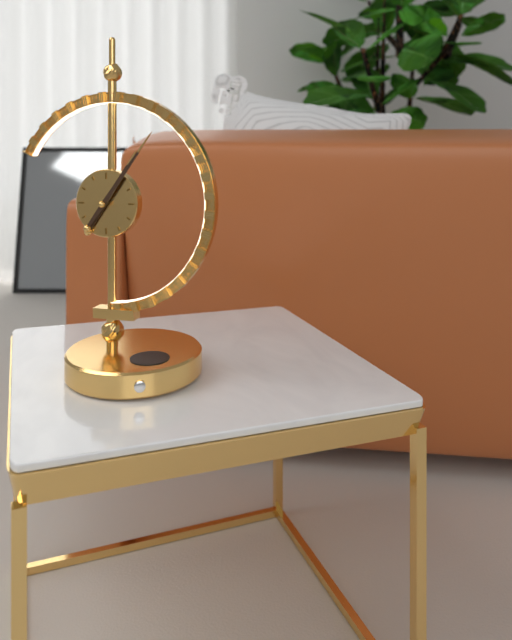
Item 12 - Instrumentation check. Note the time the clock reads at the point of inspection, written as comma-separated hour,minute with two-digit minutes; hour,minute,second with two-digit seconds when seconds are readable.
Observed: 1,06
